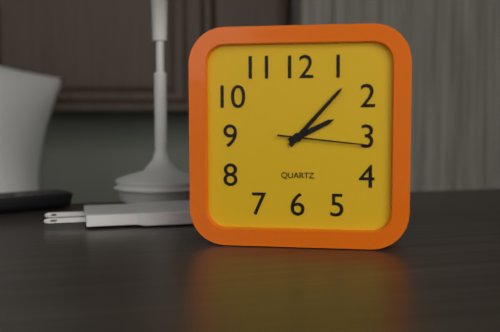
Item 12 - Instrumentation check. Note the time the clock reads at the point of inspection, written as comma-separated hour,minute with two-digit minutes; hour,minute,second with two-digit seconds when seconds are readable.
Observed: 2,07,16
